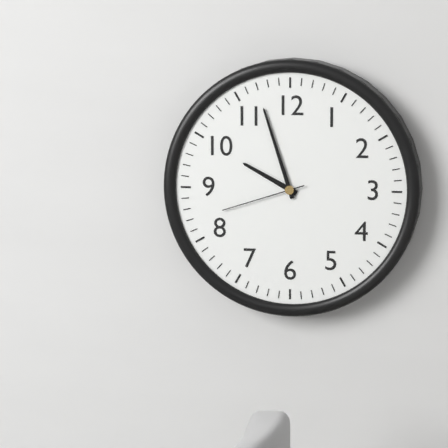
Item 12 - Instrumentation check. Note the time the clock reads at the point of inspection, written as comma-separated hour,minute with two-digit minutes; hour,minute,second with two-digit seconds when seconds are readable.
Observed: 9,57,42
